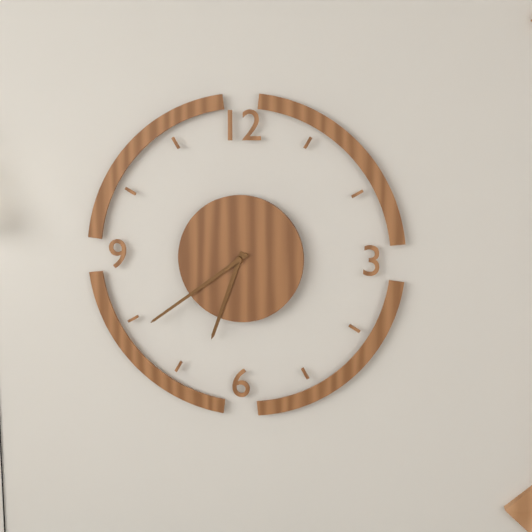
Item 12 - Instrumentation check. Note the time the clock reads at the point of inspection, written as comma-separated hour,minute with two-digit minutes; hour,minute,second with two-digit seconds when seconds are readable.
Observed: 6,39
